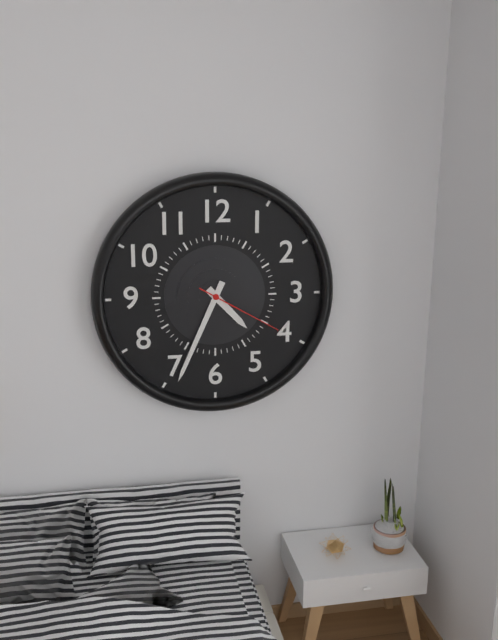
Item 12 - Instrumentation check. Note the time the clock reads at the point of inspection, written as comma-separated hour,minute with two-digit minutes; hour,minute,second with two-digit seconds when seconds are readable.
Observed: 4,34,20
